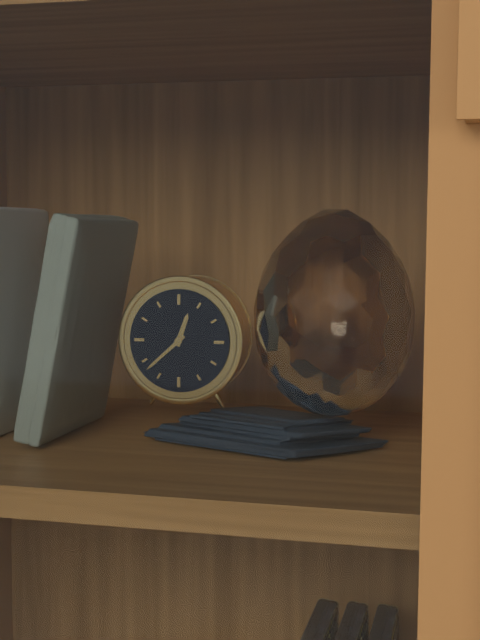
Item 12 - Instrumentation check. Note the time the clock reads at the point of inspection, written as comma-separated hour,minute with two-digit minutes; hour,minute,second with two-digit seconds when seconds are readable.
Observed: 12,38
